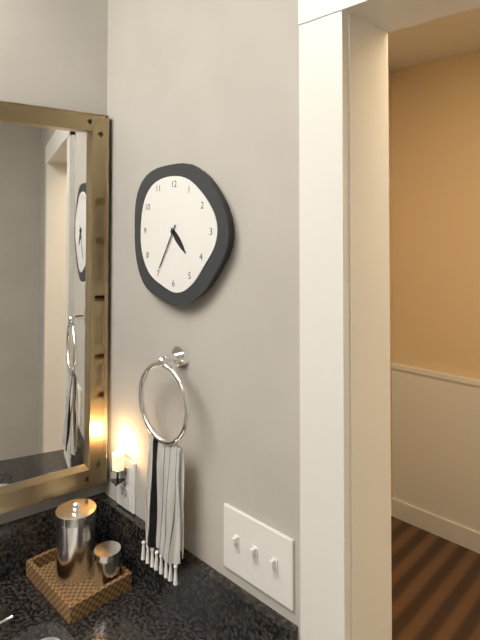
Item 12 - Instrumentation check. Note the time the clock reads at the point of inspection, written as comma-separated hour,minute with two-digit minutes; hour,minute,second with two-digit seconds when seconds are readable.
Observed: 4,35
